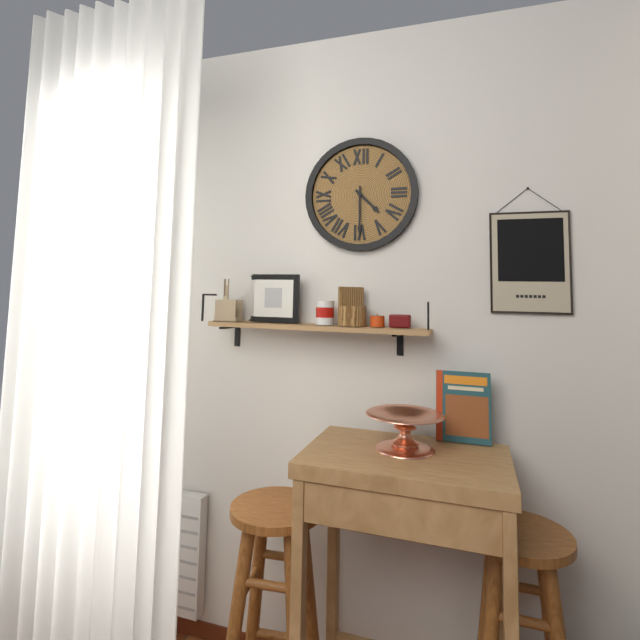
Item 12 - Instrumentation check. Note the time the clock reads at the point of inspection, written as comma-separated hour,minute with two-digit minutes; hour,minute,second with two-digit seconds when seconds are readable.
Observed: 4,30
